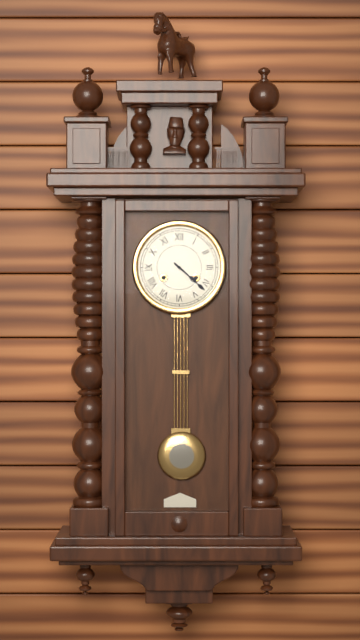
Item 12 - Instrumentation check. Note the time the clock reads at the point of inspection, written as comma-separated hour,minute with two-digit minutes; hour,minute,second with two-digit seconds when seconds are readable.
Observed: 4,22
